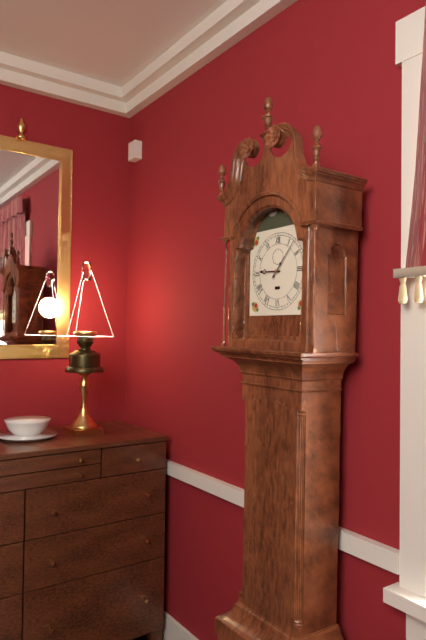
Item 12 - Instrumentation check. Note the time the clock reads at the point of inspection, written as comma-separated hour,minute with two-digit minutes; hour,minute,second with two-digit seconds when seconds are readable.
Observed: 9,07
